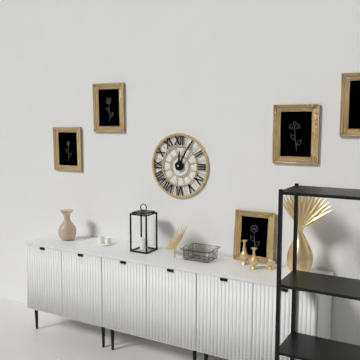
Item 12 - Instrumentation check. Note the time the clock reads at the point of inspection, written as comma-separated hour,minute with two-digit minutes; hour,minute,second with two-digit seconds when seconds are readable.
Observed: 12,05
